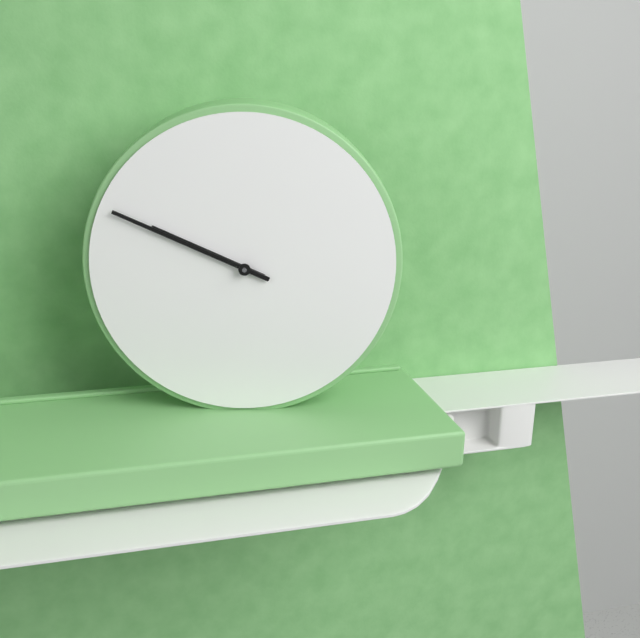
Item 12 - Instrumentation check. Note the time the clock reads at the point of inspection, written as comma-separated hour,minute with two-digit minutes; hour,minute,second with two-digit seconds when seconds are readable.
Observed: 9,49
